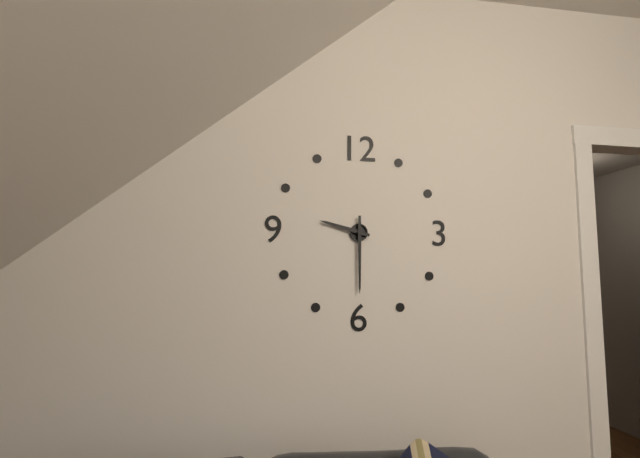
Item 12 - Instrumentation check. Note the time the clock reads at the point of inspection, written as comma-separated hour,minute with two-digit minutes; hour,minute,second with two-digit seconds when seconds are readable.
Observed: 9,30
